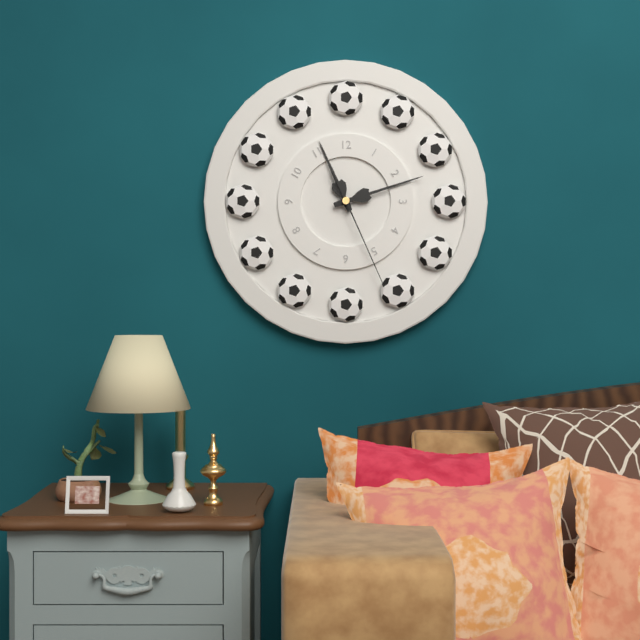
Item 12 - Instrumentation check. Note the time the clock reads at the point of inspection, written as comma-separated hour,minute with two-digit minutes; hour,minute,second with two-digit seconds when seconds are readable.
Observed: 11,12,26
